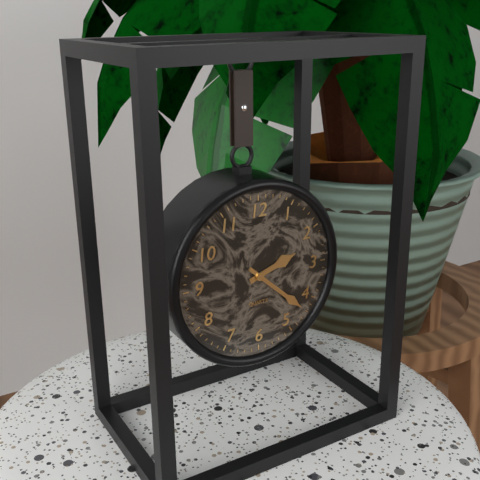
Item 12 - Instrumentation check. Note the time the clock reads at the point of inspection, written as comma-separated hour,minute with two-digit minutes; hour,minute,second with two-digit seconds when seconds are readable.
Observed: 2,22
